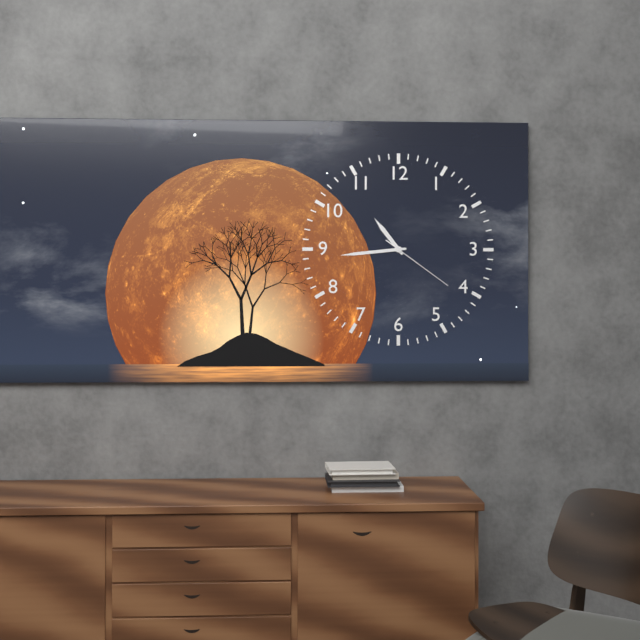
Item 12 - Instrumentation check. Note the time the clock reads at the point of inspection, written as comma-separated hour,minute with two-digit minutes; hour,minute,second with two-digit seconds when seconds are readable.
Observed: 10,44,21
